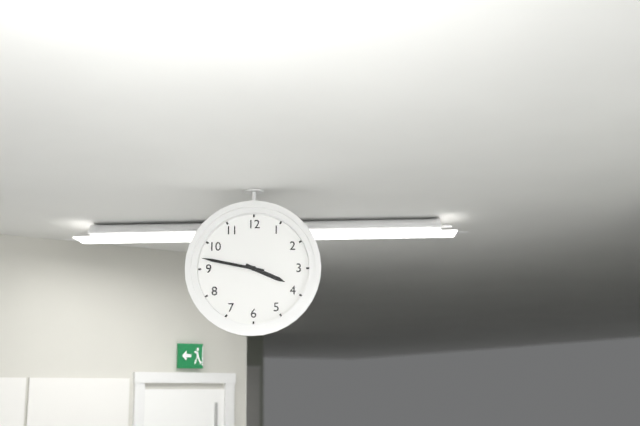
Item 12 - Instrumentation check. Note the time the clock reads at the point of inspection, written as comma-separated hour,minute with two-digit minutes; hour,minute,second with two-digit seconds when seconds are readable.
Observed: 3,47
